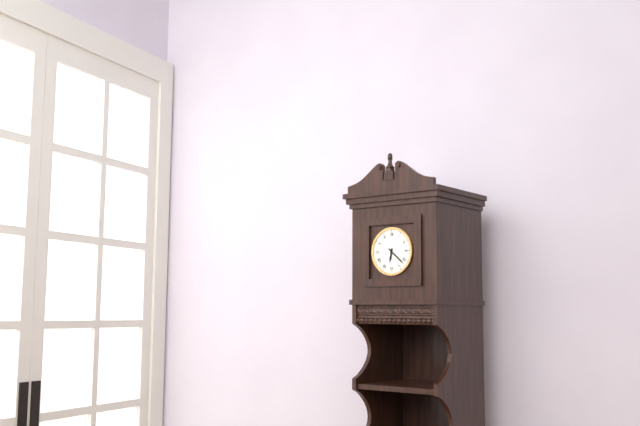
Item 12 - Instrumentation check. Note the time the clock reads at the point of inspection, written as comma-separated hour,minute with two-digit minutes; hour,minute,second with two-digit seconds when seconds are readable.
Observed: 6,22
